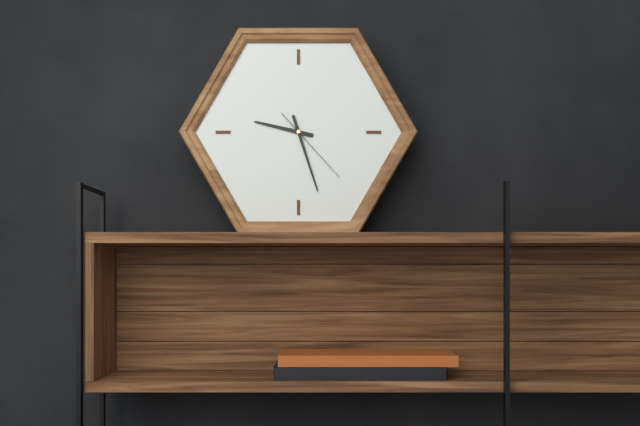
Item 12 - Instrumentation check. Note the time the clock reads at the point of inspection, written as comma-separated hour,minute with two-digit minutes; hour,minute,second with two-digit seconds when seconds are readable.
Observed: 9,27,23
